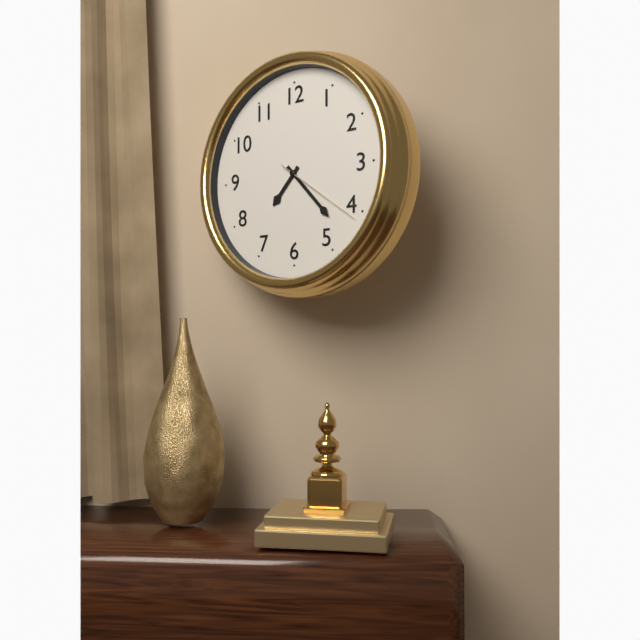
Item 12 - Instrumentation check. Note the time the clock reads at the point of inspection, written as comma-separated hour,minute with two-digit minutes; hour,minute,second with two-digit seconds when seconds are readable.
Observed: 7,23,21
